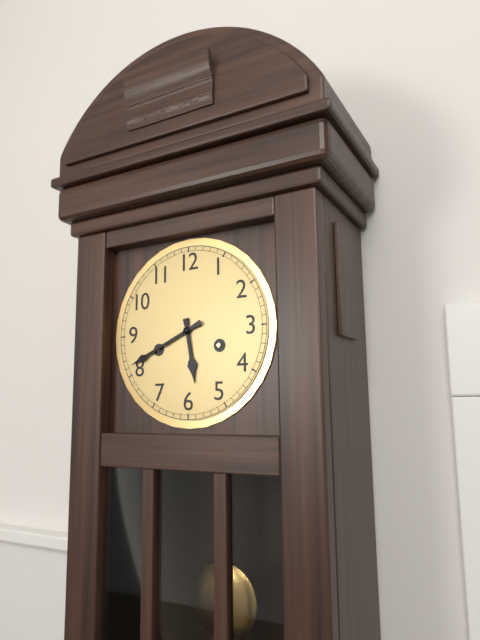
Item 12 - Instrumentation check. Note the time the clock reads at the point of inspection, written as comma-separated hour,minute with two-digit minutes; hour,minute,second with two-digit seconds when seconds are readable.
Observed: 5,41
